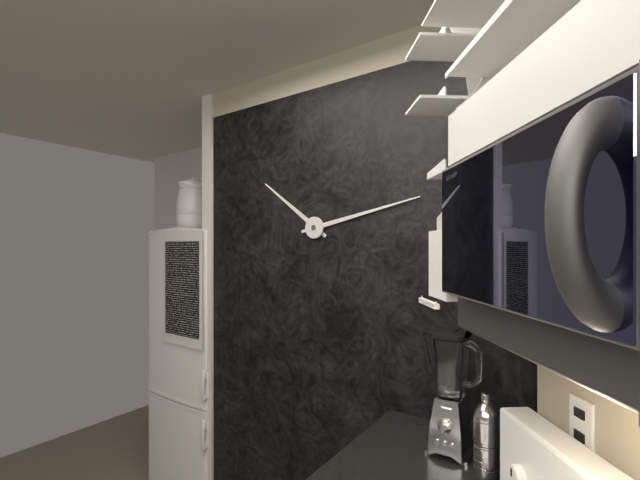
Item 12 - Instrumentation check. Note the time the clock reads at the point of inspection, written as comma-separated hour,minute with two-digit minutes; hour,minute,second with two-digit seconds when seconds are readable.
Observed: 10,13
